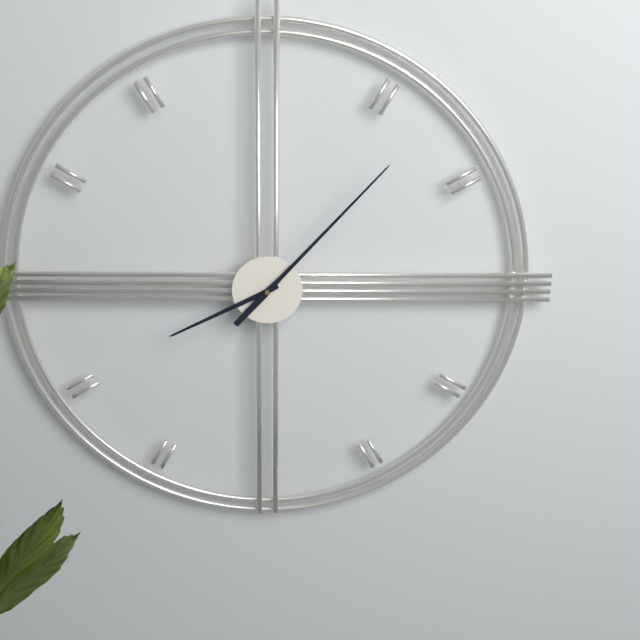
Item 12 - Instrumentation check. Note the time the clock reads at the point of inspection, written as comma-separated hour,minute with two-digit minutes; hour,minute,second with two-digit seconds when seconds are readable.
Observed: 8,07
